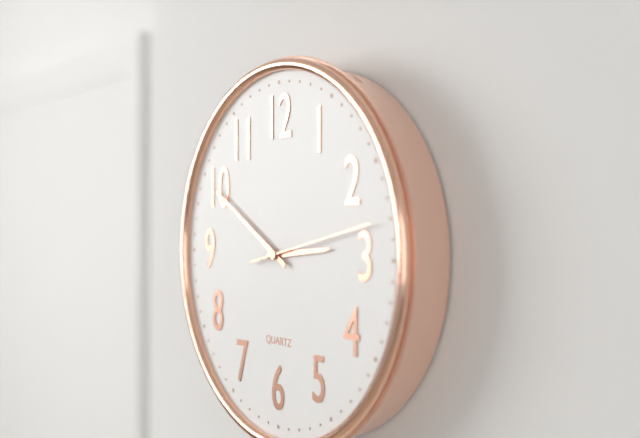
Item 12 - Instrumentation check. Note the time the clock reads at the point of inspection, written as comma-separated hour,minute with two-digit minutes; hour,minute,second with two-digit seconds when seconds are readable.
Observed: 2,50,13
